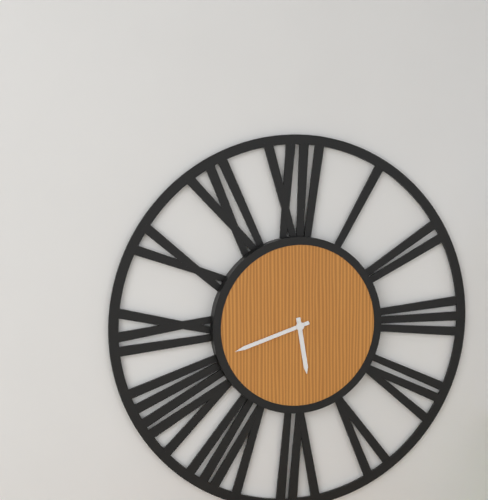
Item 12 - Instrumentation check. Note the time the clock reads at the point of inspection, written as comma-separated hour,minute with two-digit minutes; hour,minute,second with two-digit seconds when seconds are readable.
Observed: 5,42
